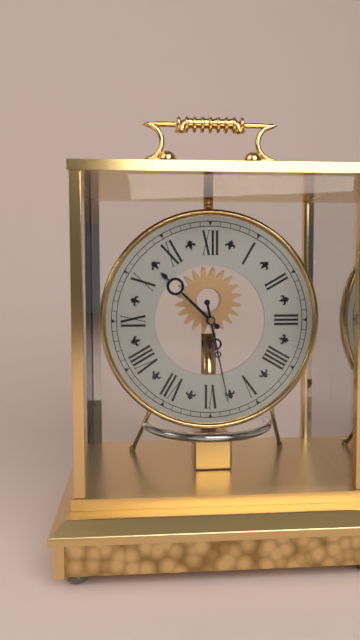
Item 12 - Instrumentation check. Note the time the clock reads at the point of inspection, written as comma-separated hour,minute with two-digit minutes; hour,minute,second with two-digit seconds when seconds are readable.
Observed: 10,28
